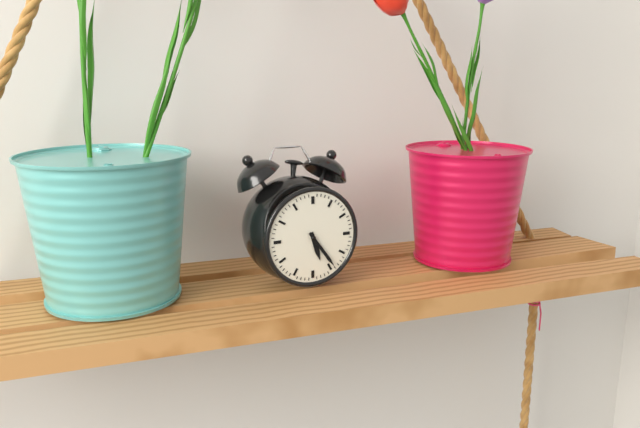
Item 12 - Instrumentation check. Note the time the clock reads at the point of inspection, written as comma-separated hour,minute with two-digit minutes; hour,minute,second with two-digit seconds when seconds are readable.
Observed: 5,24
